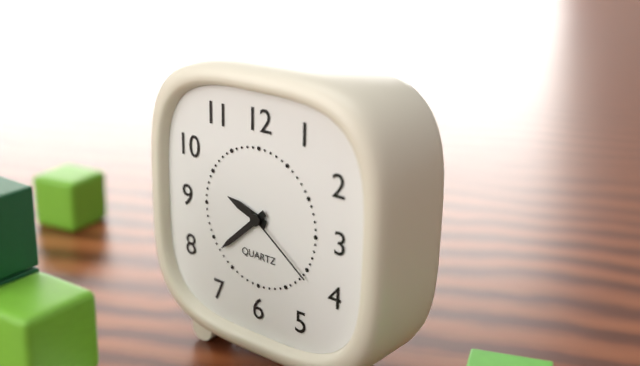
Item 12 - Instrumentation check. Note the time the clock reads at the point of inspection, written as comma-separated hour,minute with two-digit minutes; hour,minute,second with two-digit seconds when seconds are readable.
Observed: 9,38,21
